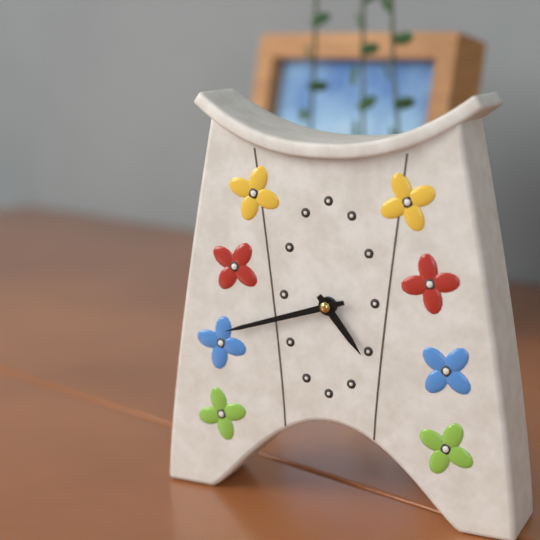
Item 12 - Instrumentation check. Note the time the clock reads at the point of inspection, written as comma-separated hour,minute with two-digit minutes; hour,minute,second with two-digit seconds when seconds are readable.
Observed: 4,42
